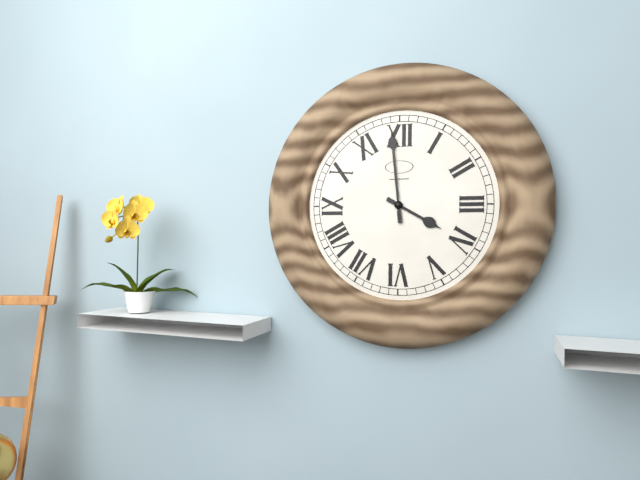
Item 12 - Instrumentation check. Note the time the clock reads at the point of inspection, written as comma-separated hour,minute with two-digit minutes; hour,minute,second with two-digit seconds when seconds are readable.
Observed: 3,59
